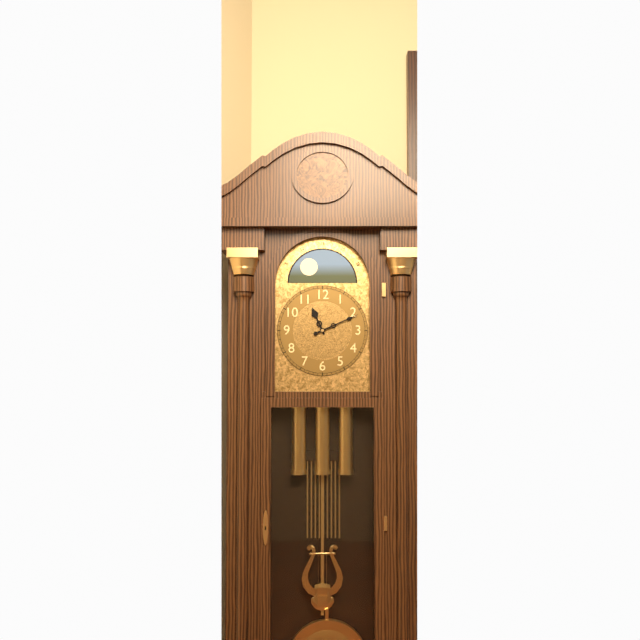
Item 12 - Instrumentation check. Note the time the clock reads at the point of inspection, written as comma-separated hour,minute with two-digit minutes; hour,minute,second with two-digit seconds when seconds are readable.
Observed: 11,11
